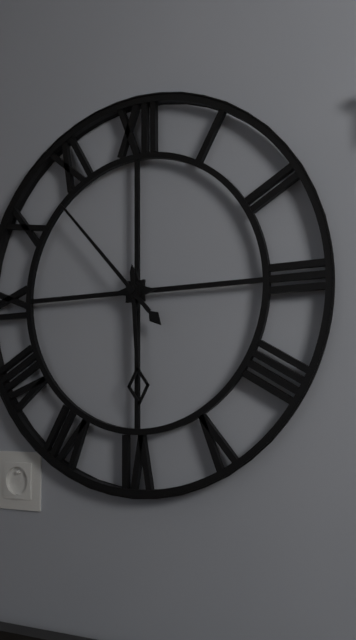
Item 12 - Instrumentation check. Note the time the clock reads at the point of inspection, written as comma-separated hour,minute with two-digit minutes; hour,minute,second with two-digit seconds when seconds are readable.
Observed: 5,53
